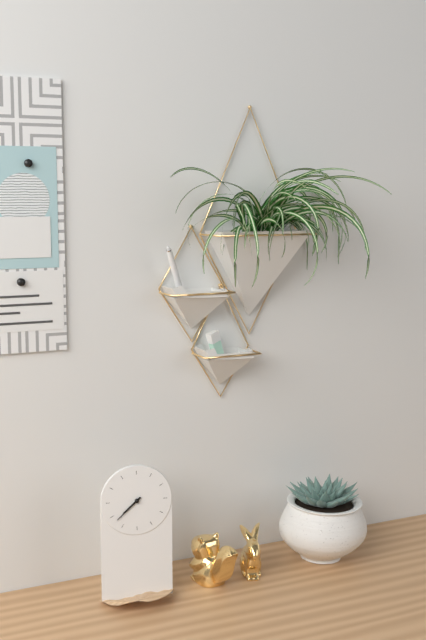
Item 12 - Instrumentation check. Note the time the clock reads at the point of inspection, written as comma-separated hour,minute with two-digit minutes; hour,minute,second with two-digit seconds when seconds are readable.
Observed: 7,38
